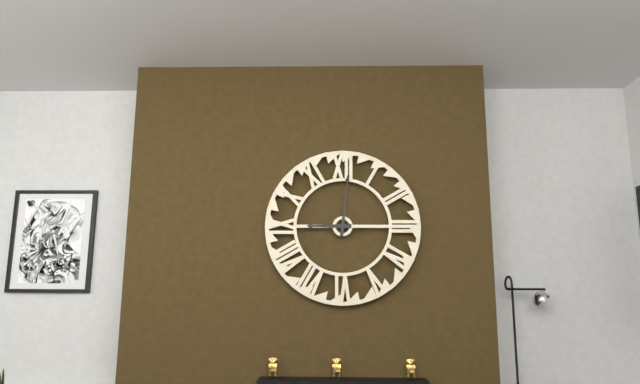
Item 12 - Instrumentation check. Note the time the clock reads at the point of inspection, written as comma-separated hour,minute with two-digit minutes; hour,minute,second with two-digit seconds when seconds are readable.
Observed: 9,01
